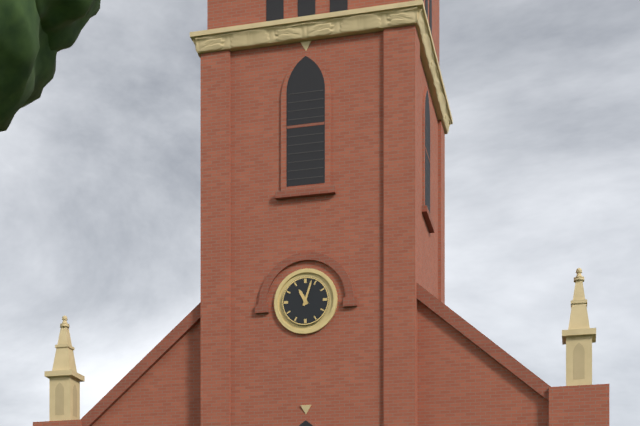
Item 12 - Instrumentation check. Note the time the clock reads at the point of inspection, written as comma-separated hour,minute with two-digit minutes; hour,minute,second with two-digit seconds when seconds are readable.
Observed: 11,03
